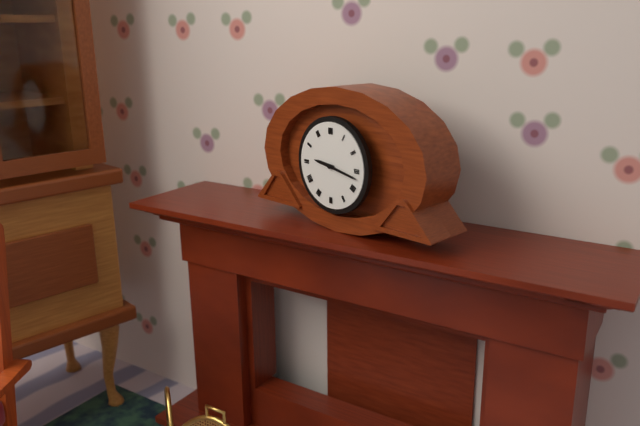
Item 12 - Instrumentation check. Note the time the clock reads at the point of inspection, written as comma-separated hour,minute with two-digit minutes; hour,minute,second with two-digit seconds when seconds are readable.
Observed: 9,17
